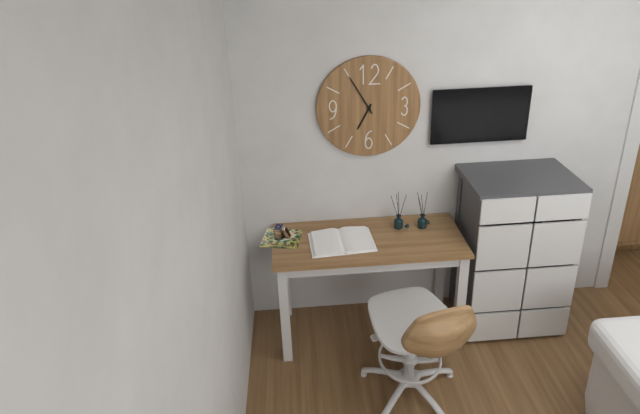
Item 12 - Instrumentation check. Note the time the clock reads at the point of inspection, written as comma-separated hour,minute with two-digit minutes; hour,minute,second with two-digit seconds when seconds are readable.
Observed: 6,55
